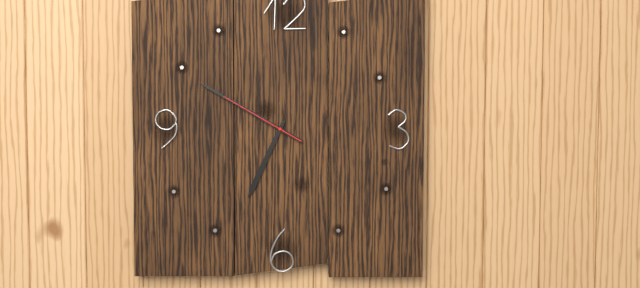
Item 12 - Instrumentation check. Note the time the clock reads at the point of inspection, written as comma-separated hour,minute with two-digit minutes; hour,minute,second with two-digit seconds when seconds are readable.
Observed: 6,50,50
